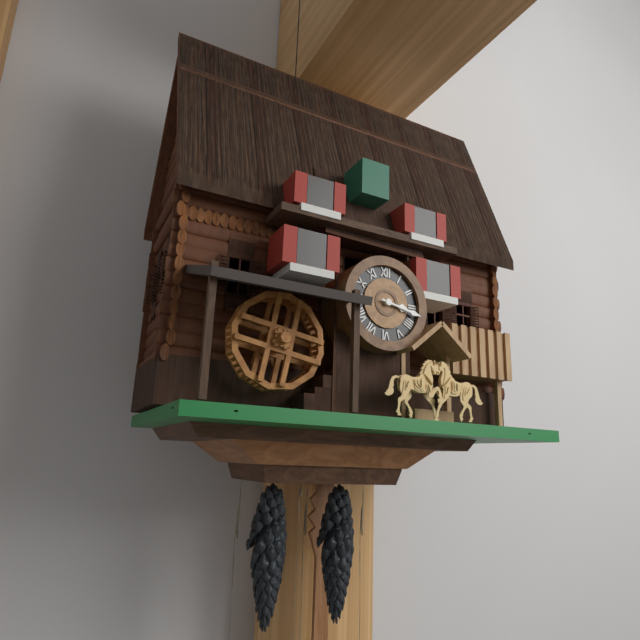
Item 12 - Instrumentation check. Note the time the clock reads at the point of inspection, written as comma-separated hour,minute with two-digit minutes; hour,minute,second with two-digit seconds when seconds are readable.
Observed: 3,17
